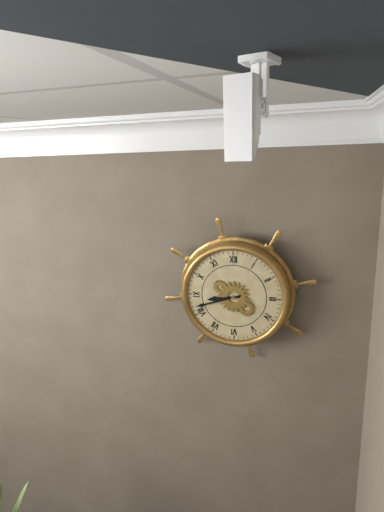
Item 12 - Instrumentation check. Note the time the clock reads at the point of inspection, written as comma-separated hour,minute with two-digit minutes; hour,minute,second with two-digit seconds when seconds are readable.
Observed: 8,42
